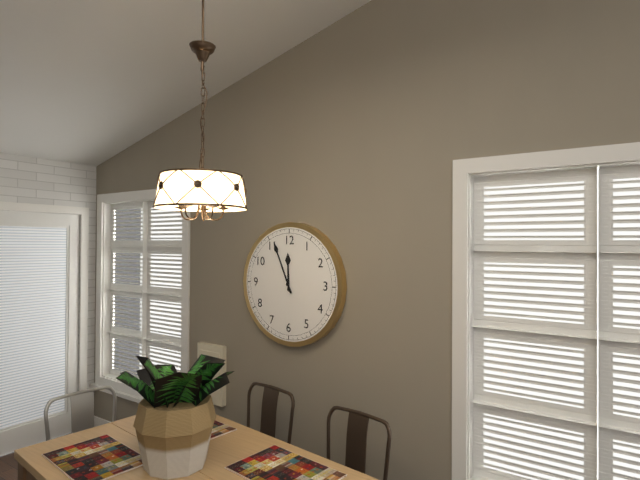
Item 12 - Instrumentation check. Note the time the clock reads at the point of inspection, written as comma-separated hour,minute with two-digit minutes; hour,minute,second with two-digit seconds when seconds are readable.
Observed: 11,56
